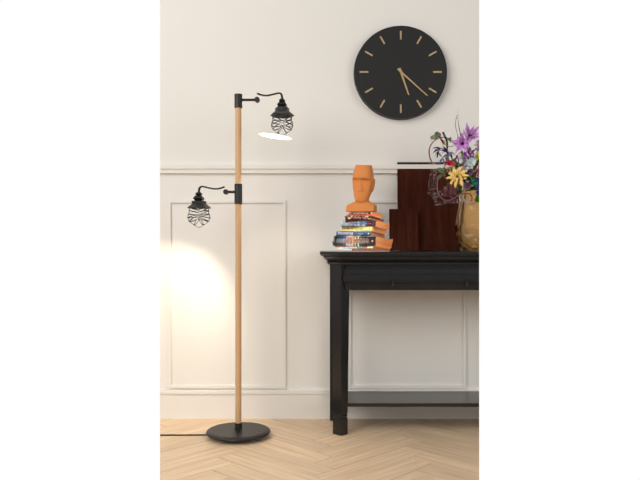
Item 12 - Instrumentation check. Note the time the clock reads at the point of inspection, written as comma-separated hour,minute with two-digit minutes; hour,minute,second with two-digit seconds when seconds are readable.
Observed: 5,22
